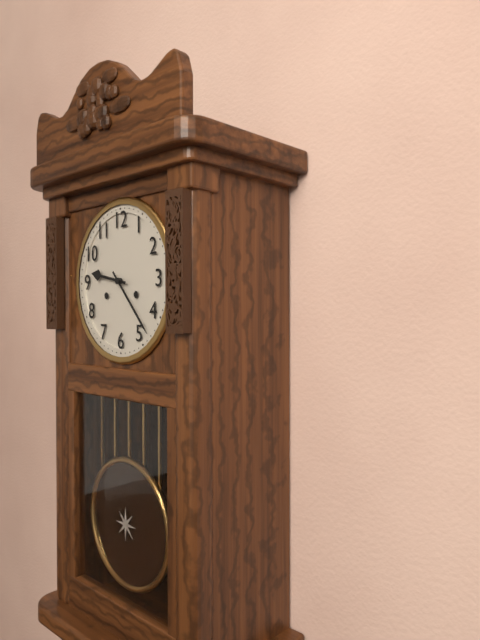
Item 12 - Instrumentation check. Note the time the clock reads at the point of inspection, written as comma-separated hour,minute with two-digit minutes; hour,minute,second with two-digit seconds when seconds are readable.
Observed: 9,23
